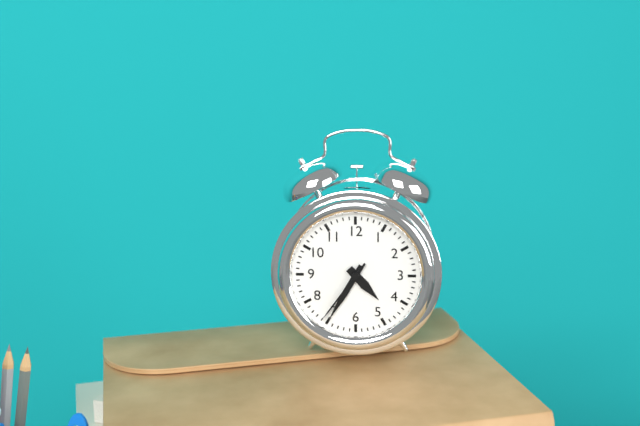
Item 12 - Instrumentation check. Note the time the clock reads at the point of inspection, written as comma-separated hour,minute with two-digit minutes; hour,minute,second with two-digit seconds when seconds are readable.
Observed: 4,35,36
